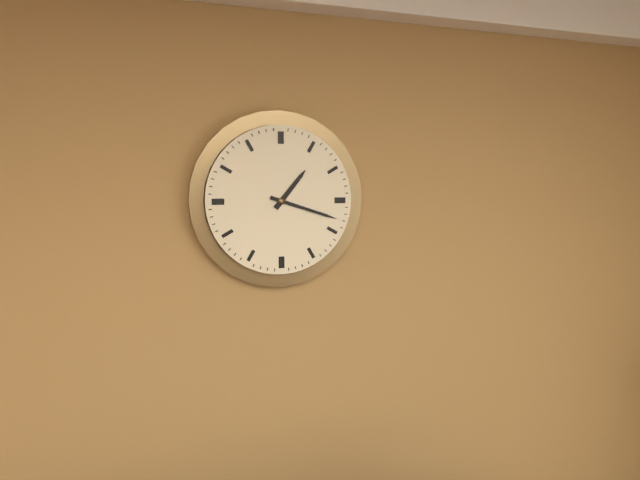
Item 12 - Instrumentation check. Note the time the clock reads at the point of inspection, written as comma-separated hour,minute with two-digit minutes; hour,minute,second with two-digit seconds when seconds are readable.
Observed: 1,18
